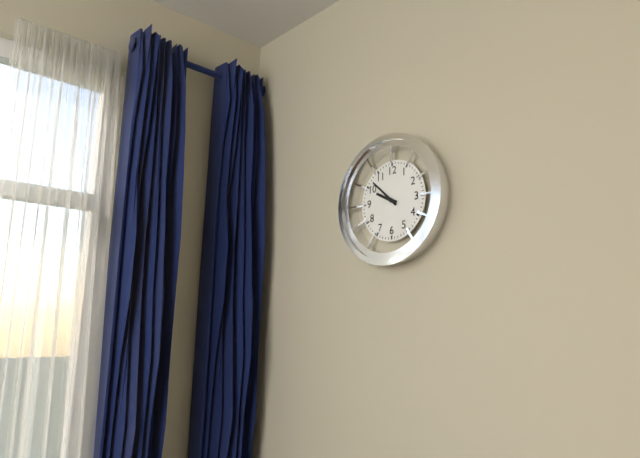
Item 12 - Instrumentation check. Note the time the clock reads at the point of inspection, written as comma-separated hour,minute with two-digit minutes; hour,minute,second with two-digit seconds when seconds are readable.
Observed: 9,52
